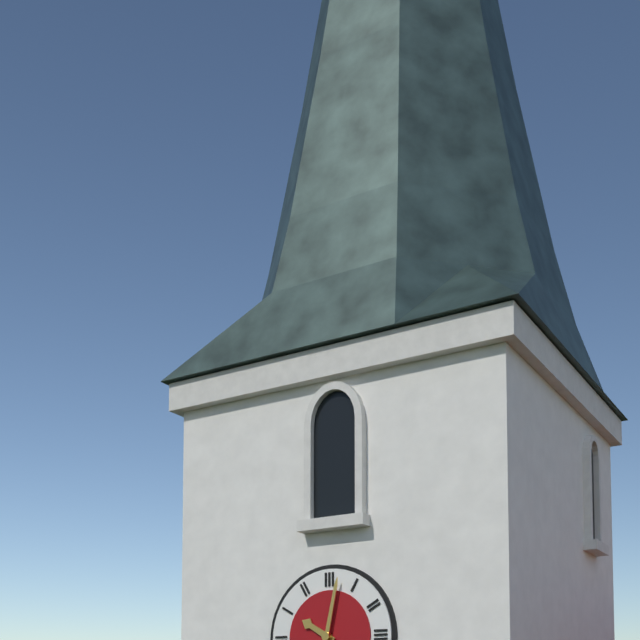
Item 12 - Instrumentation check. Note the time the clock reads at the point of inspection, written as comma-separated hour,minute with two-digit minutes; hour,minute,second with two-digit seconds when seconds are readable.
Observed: 10,02
